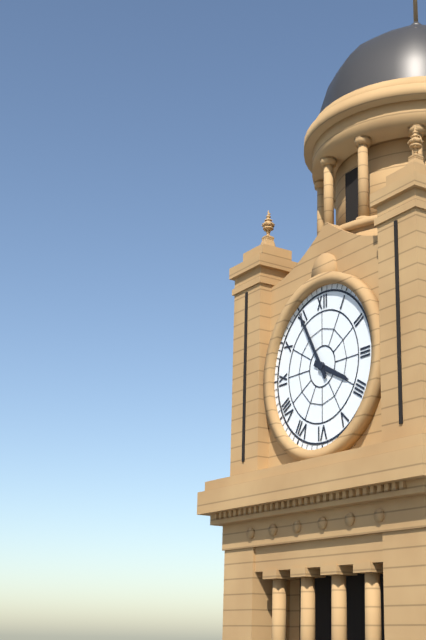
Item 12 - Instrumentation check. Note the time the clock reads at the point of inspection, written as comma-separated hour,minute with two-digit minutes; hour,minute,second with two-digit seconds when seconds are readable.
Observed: 3,55
